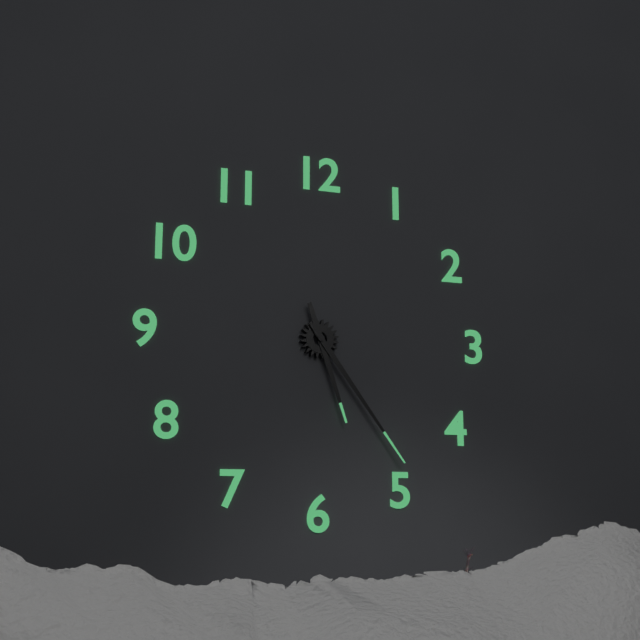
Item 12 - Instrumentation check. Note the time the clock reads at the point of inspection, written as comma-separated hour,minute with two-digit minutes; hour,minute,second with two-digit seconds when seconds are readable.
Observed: 5,24
